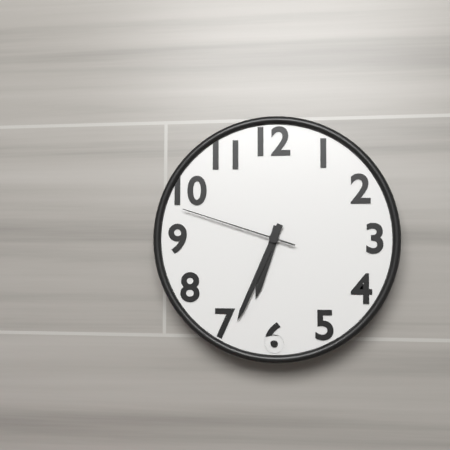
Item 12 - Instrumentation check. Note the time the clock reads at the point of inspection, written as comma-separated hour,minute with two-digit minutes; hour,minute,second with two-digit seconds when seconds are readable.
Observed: 6,34,48
